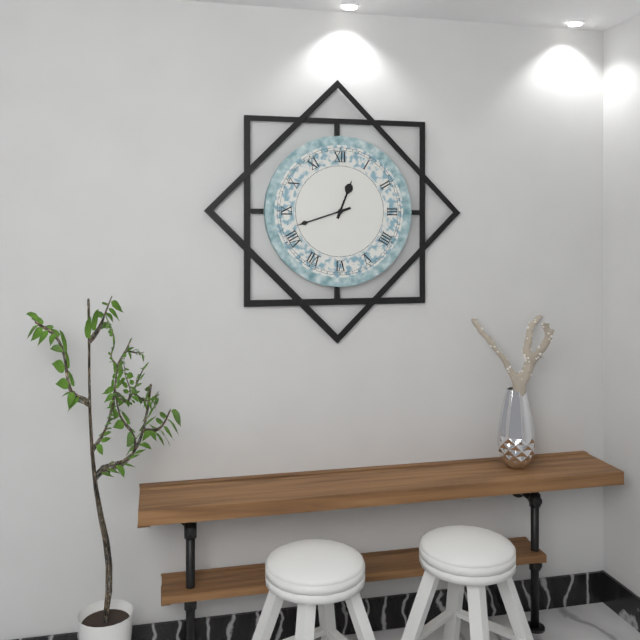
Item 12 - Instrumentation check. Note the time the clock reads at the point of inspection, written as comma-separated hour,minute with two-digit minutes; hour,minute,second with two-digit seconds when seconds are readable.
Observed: 12,42
